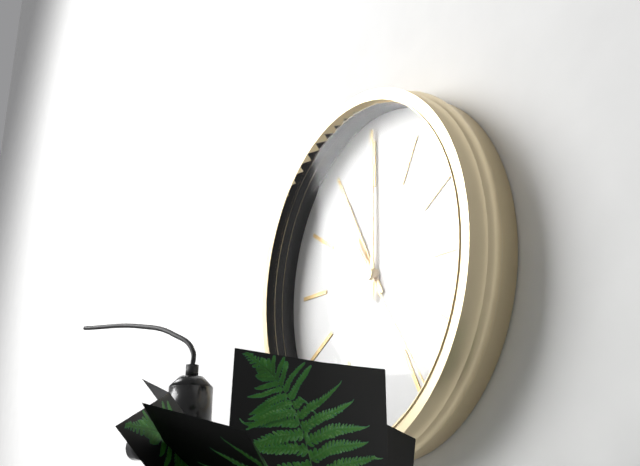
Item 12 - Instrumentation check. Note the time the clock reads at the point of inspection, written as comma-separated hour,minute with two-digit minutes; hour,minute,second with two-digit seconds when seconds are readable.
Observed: 11,00,24
